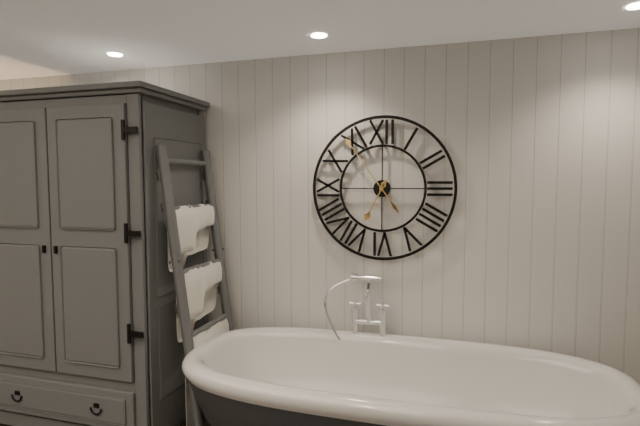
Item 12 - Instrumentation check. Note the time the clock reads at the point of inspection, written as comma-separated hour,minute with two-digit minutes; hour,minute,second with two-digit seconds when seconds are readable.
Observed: 6,54
